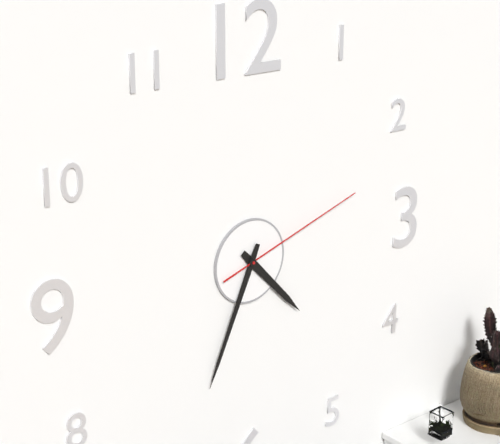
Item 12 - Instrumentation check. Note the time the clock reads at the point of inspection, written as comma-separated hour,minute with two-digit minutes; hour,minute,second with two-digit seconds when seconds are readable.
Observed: 4,34,12
